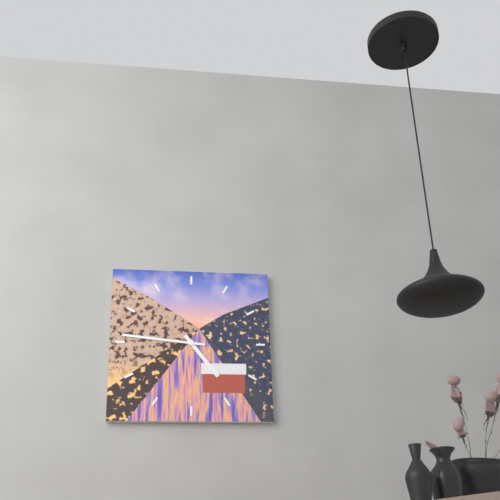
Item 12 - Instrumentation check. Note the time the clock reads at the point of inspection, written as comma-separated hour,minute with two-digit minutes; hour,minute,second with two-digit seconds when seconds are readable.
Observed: 4,46
